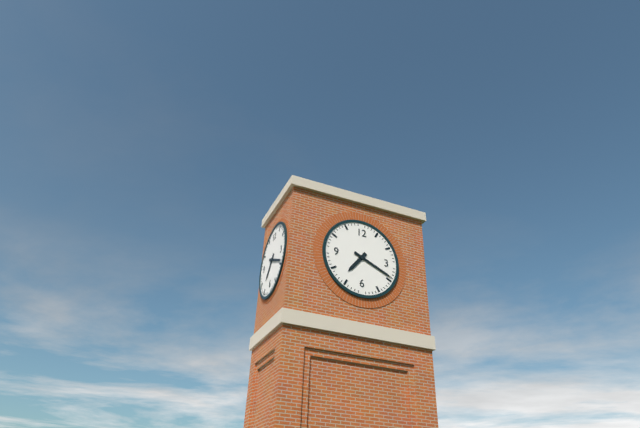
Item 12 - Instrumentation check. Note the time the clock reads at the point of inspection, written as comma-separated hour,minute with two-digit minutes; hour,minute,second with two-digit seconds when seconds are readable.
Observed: 7,19
